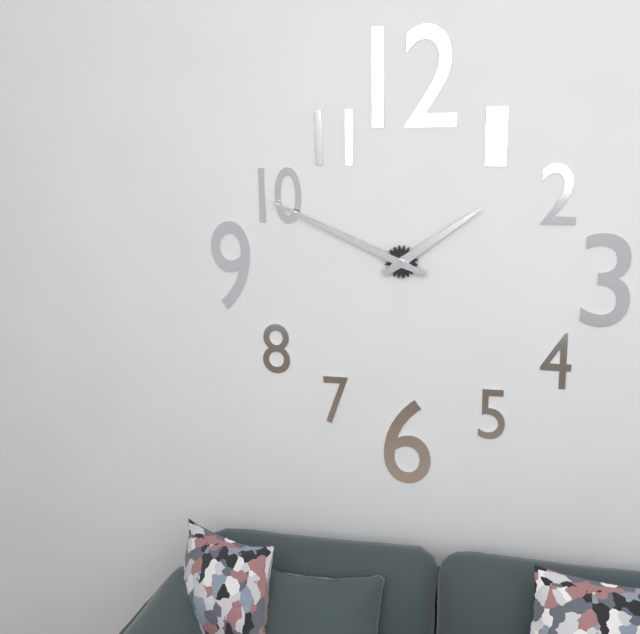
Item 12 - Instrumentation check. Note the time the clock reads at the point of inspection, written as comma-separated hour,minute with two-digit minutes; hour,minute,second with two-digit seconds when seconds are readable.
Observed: 1,49
